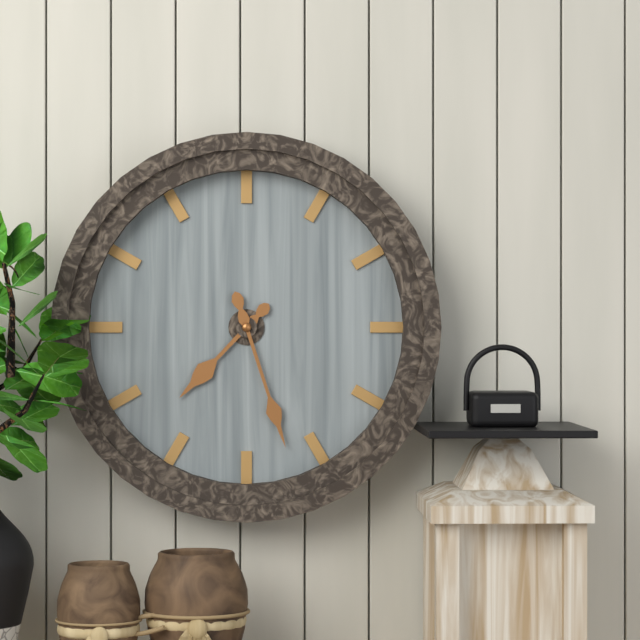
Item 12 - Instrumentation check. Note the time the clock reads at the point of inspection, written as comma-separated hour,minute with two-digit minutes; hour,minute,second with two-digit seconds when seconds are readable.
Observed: 7,27
